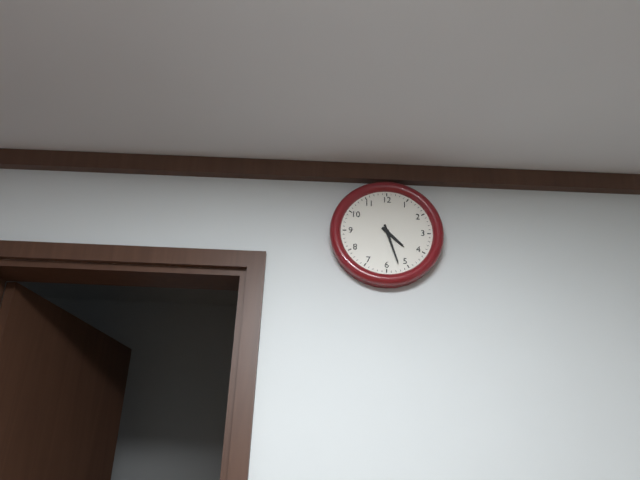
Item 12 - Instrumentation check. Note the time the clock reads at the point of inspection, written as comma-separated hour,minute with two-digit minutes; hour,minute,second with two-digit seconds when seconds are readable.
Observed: 4,27
